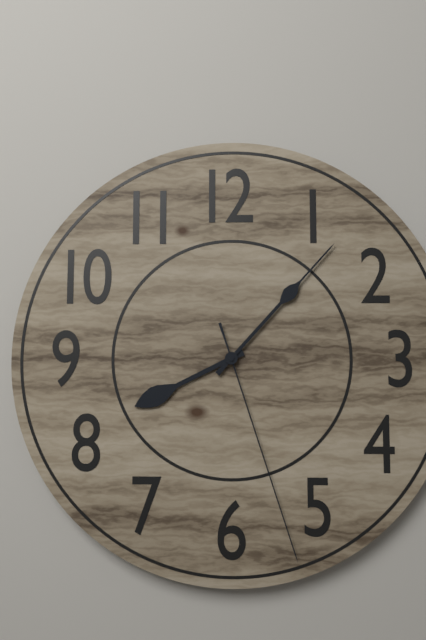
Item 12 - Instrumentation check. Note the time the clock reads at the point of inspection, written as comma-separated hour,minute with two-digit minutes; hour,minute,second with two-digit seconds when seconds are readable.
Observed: 8,07,27
